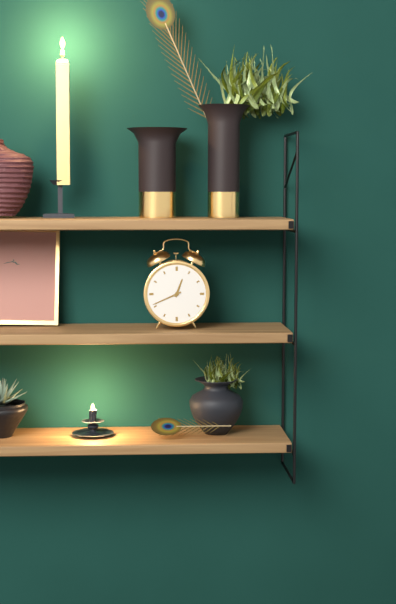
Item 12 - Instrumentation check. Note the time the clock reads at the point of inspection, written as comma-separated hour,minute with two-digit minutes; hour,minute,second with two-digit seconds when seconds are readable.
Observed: 12,41
